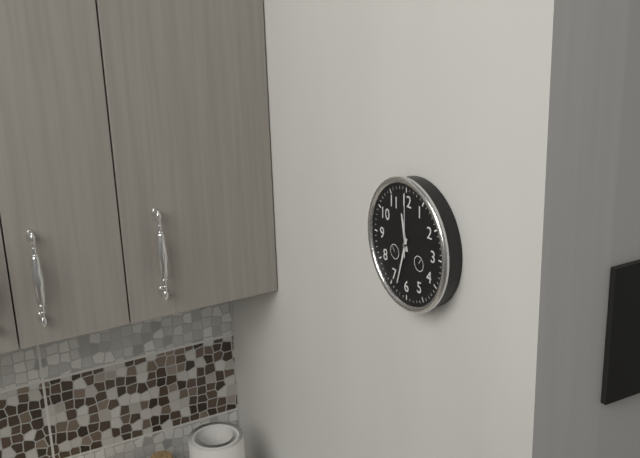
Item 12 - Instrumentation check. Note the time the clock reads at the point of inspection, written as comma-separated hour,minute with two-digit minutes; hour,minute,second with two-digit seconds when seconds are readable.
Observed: 11,33,00
